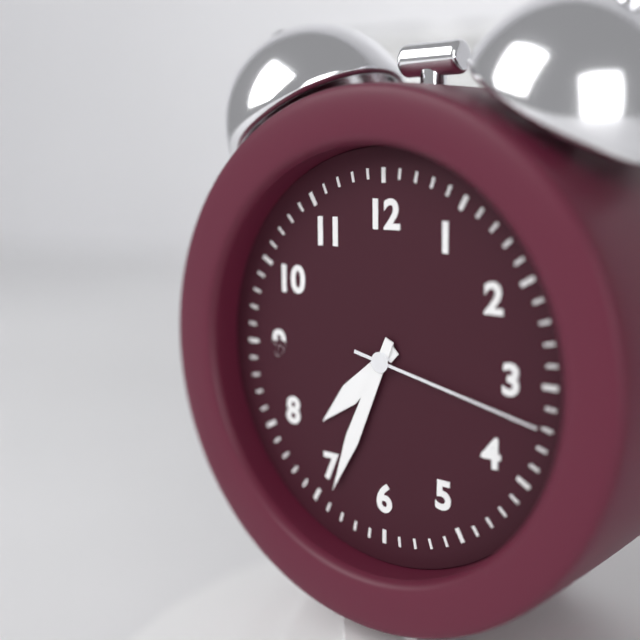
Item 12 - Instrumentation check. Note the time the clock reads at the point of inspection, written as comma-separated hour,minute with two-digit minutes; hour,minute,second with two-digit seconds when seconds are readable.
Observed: 7,34,17
